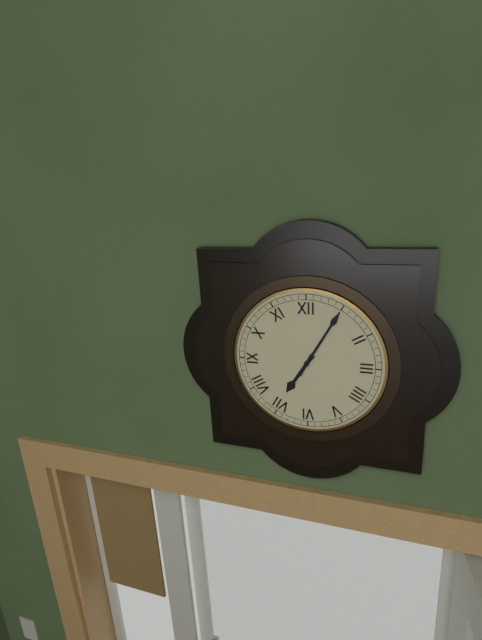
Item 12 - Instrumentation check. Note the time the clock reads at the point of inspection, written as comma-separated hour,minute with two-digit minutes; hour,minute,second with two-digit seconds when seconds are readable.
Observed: 7,05
